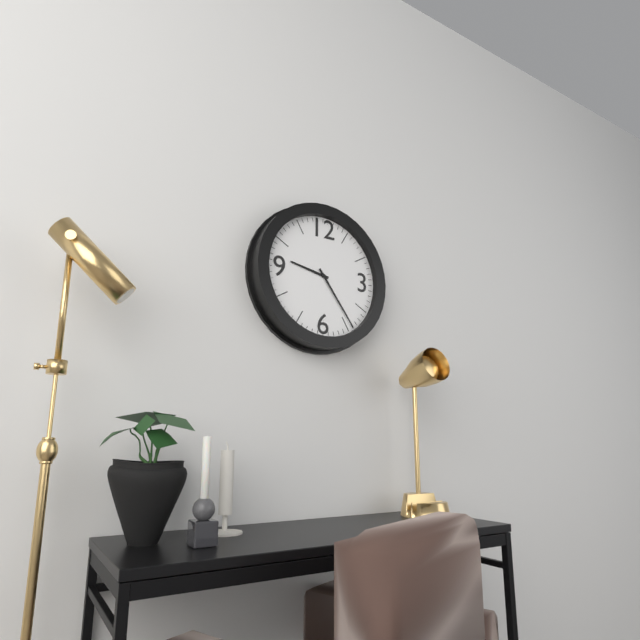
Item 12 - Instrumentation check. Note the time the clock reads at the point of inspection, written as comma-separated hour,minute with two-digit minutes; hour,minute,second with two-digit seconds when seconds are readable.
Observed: 9,24
